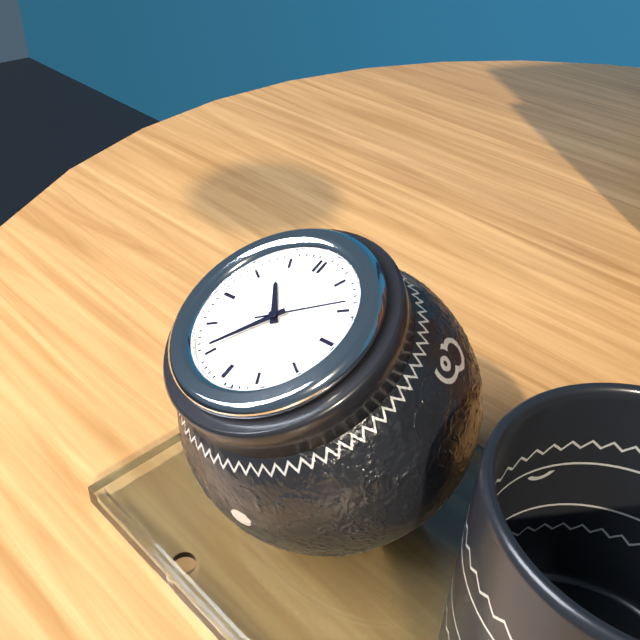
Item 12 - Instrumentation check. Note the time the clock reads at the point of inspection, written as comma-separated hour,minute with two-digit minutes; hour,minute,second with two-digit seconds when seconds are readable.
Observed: 10,36,09
